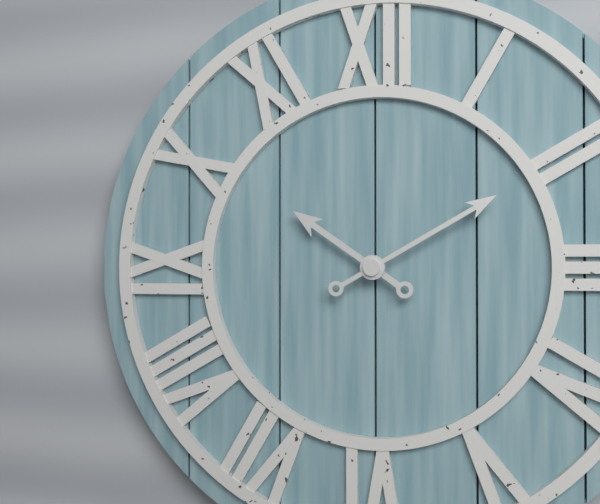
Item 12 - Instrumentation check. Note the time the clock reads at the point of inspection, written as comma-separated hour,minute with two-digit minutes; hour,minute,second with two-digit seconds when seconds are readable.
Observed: 10,10
